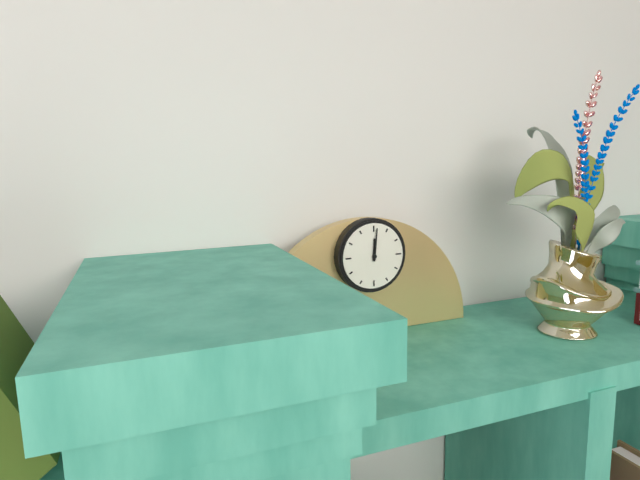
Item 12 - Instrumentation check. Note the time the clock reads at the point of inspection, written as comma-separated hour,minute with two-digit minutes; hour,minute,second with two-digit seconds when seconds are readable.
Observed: 12,01
